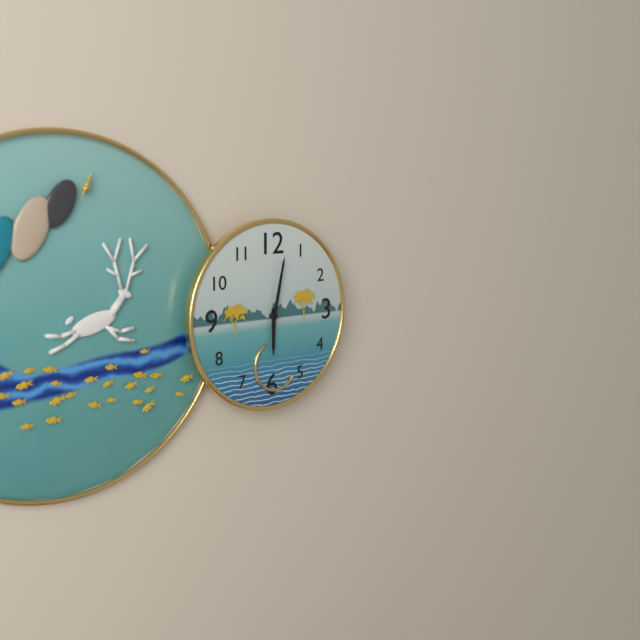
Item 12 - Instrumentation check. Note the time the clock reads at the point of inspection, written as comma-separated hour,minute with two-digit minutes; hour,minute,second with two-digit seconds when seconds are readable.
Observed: 6,02
